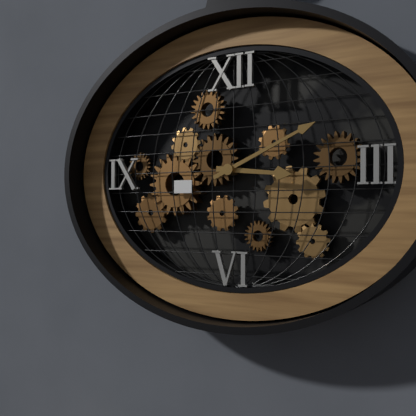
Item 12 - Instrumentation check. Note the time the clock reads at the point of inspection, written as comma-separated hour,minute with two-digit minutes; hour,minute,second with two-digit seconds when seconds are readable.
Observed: 3,11
